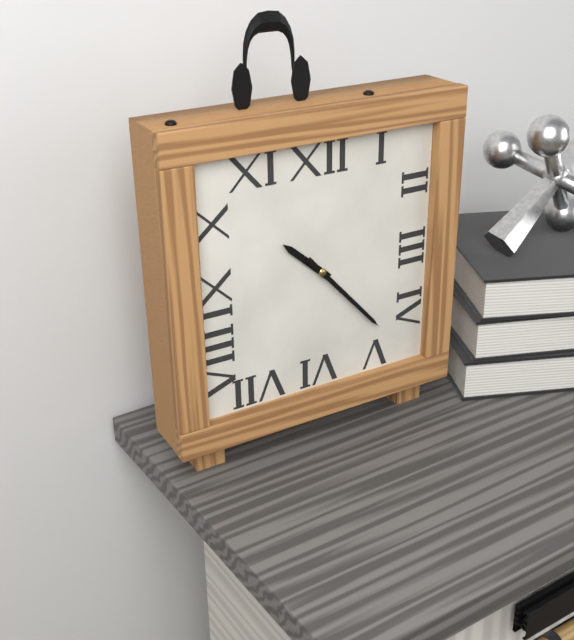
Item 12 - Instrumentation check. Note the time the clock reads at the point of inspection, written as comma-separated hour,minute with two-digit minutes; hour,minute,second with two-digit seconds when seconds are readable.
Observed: 10,23
